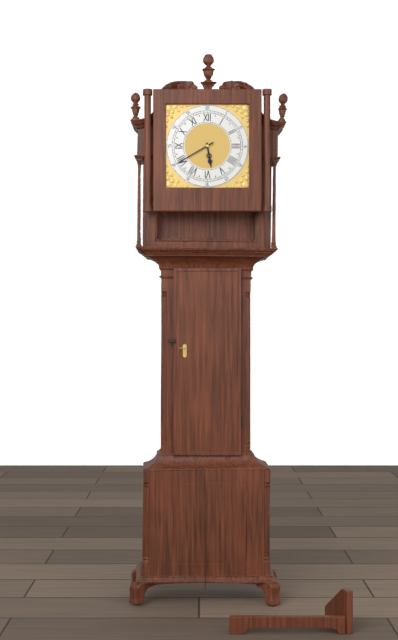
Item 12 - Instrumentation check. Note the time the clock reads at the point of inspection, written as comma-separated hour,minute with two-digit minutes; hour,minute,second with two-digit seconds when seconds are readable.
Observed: 5,40
